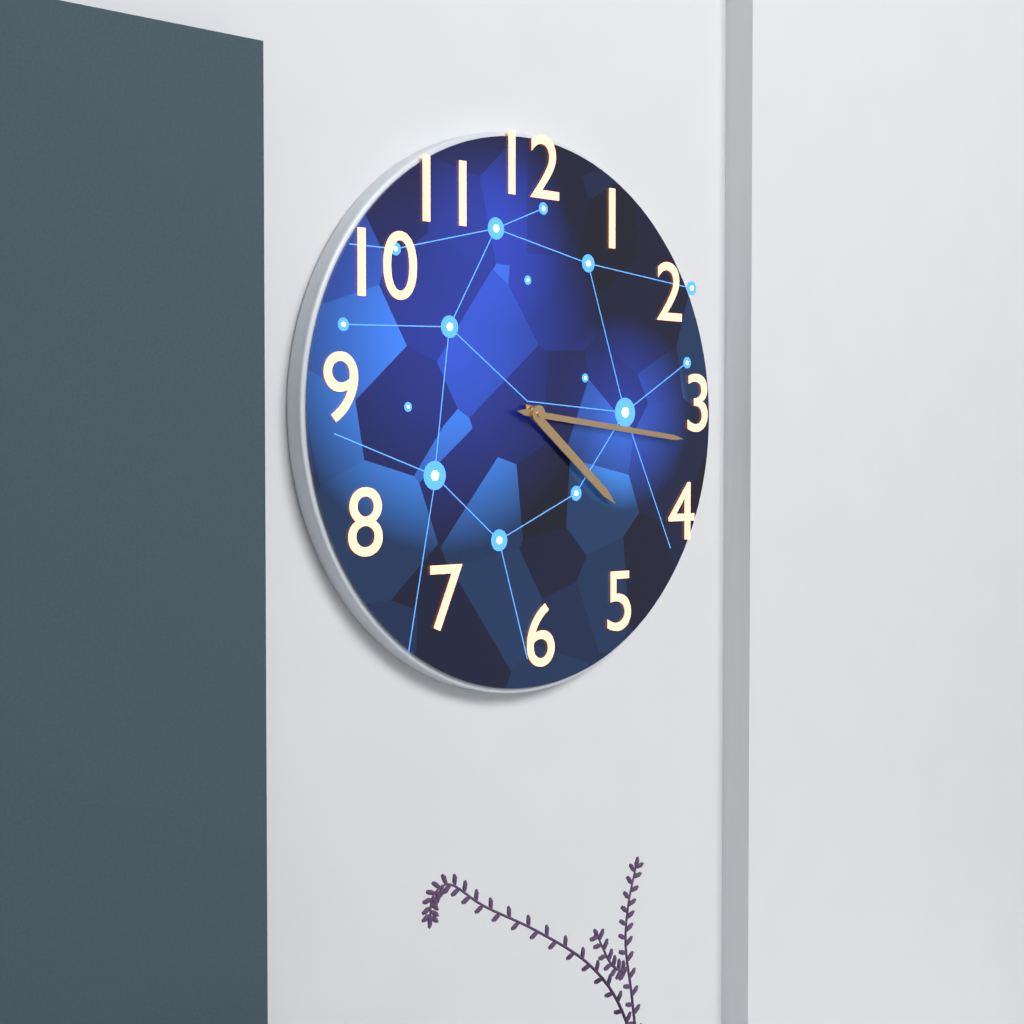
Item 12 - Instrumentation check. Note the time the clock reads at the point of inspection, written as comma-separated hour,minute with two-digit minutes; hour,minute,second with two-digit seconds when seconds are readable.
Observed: 4,16
